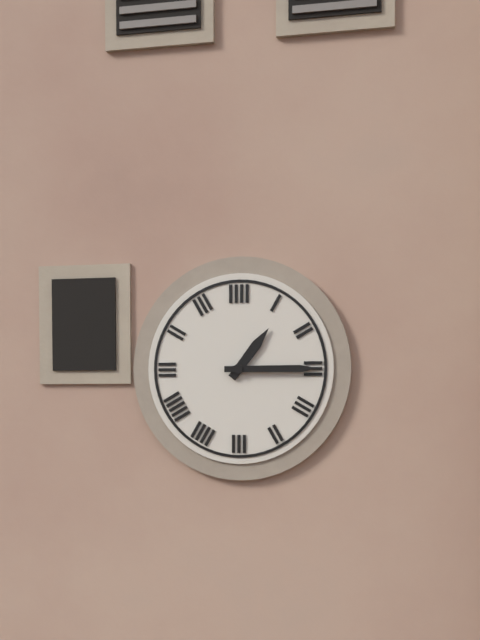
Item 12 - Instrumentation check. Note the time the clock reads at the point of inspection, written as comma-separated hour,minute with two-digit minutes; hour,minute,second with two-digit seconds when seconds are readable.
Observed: 1,15
